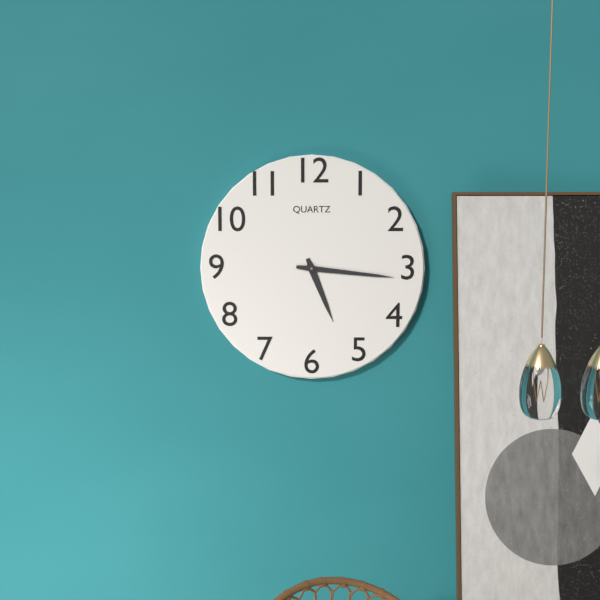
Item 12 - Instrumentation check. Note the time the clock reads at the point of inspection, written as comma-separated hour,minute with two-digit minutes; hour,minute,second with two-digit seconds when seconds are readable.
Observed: 5,16
